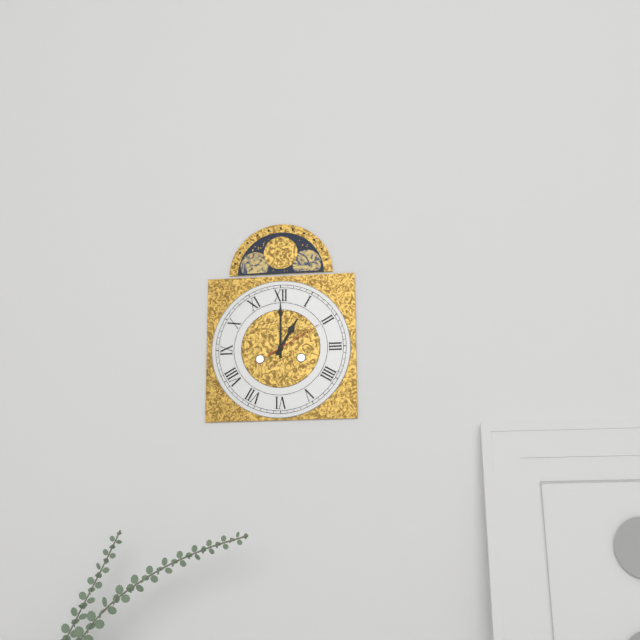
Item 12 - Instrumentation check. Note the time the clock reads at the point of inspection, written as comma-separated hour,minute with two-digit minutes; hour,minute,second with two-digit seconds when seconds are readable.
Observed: 1,00,10
